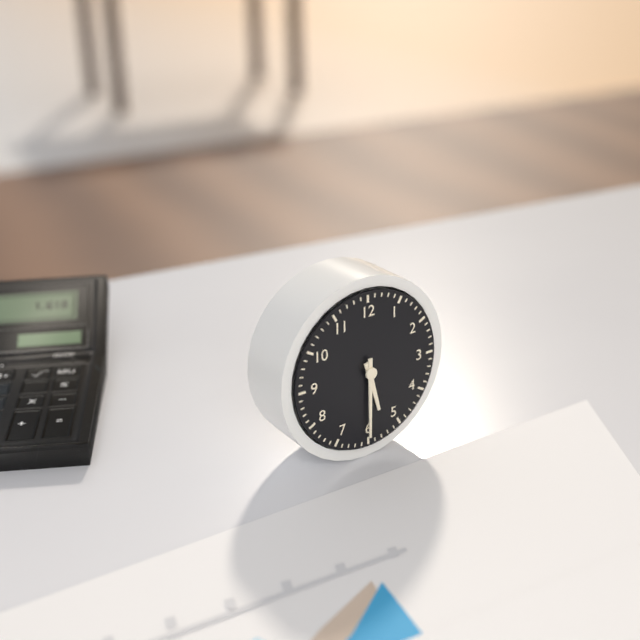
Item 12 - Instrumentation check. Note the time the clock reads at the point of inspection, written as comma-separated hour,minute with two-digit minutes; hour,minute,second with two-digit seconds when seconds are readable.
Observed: 5,30
